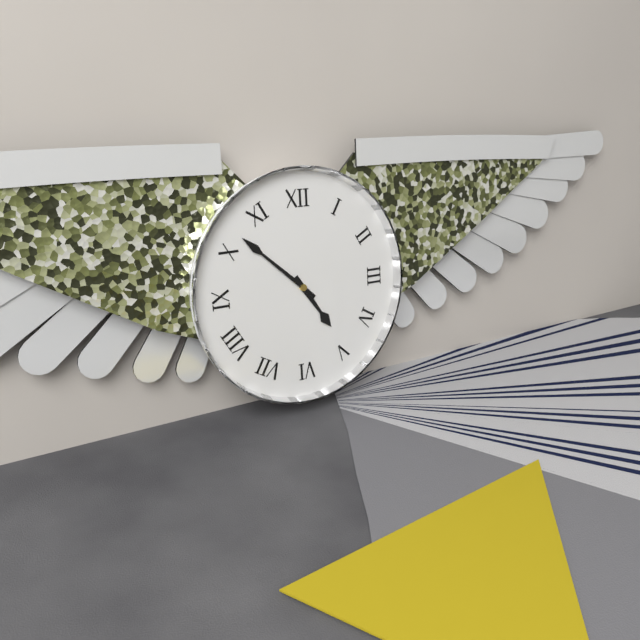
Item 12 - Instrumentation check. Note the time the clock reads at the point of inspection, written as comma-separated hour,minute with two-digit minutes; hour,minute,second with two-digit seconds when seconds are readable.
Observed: 4,52
